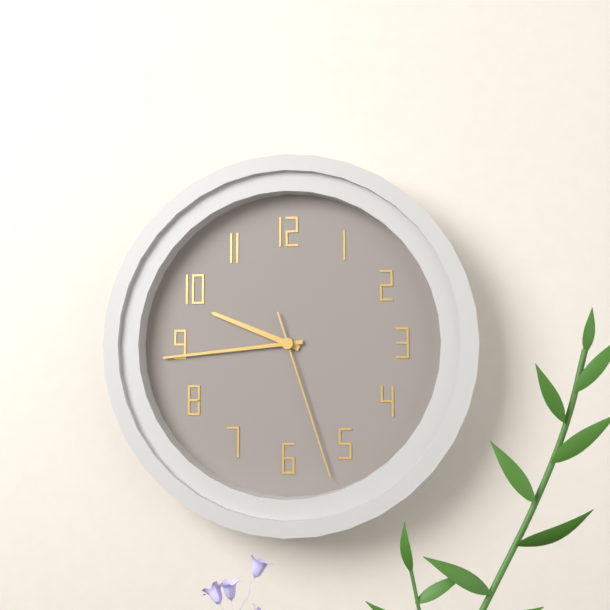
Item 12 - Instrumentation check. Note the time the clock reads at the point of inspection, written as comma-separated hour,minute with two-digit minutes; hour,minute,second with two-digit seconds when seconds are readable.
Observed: 9,44,27
